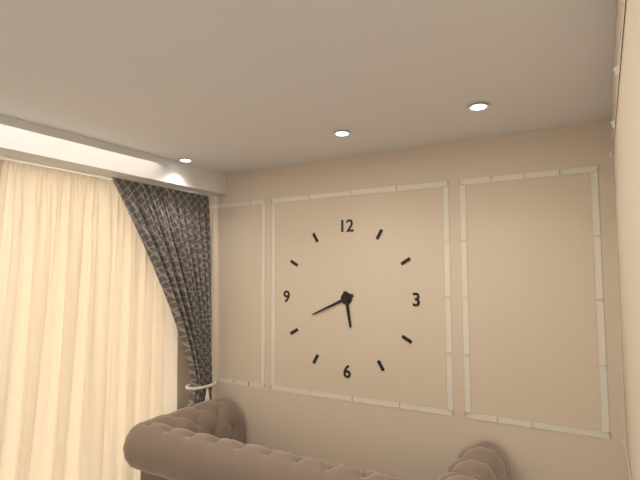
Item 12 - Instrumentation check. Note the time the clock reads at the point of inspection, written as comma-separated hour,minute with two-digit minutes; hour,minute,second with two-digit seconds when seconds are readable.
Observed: 5,41
